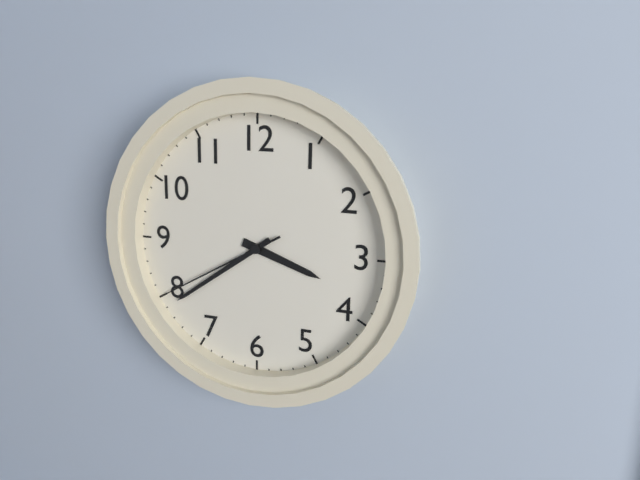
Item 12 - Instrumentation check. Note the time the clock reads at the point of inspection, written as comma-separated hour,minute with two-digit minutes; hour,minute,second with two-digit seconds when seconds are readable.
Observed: 3,39,40
